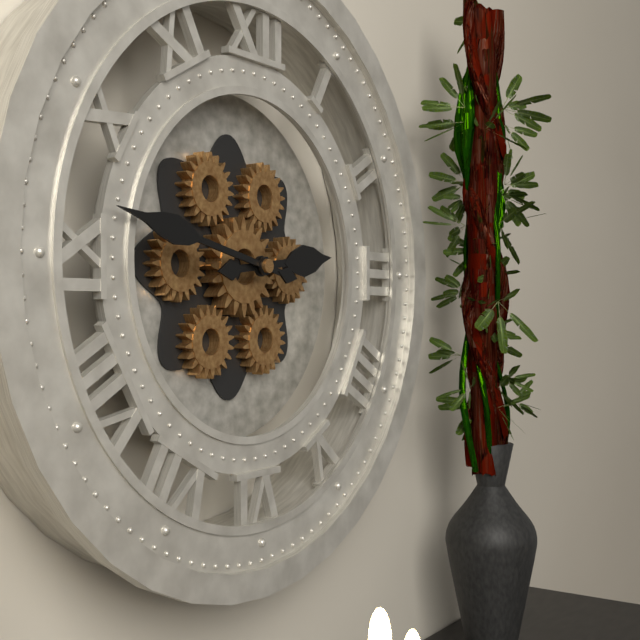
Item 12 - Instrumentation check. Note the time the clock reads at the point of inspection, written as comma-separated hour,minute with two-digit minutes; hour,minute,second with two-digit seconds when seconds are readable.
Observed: 2,47
